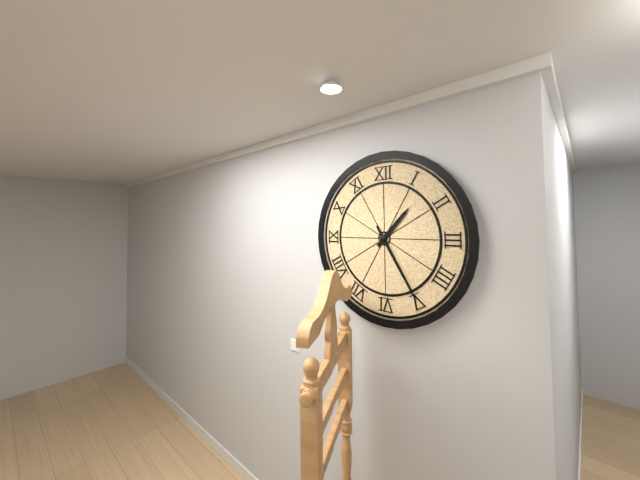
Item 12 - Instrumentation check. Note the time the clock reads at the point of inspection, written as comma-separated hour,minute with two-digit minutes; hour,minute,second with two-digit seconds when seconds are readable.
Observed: 1,25
